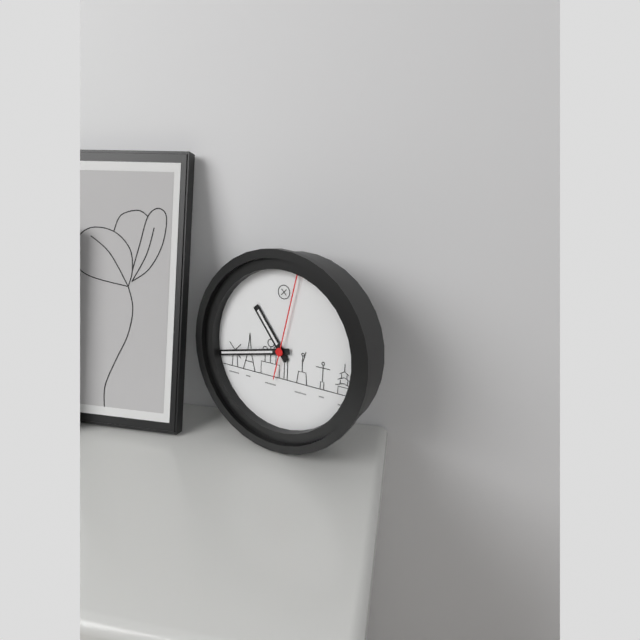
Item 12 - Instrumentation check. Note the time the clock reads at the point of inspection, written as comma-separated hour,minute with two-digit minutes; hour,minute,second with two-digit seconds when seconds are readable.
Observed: 10,43,02
